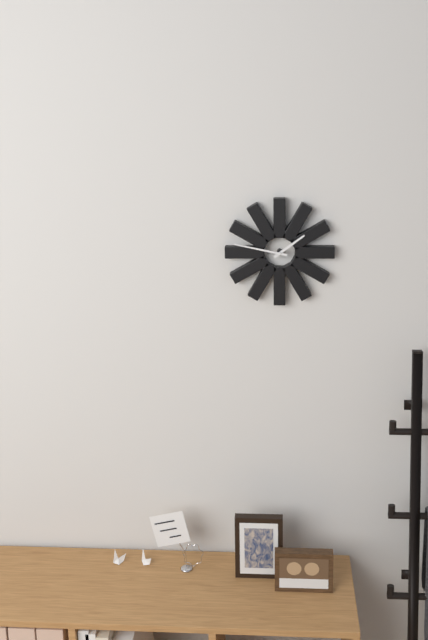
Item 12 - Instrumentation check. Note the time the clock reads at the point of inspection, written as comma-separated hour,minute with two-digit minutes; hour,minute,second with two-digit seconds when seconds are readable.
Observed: 1,47
